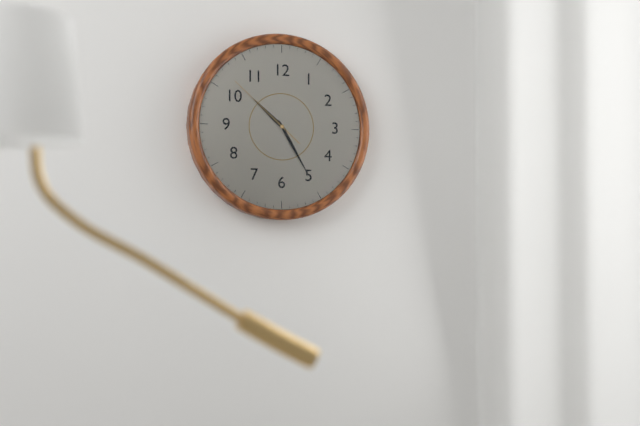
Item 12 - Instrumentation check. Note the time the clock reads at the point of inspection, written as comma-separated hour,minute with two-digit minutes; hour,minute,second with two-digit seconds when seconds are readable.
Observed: 10,25,52
